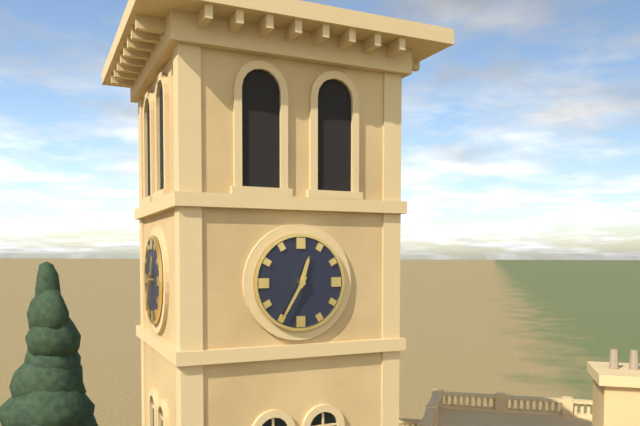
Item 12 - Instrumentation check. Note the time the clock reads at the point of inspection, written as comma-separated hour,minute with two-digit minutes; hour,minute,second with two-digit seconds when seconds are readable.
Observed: 12,35
